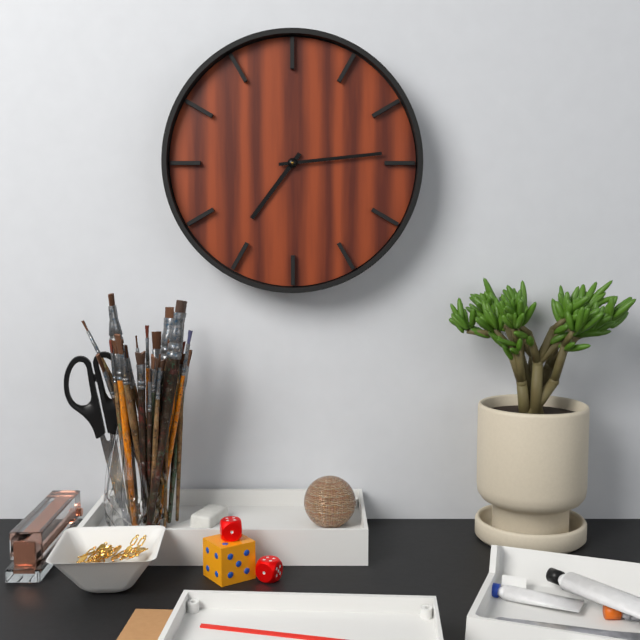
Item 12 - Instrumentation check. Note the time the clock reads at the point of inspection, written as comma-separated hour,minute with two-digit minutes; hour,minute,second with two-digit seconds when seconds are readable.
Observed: 7,14
